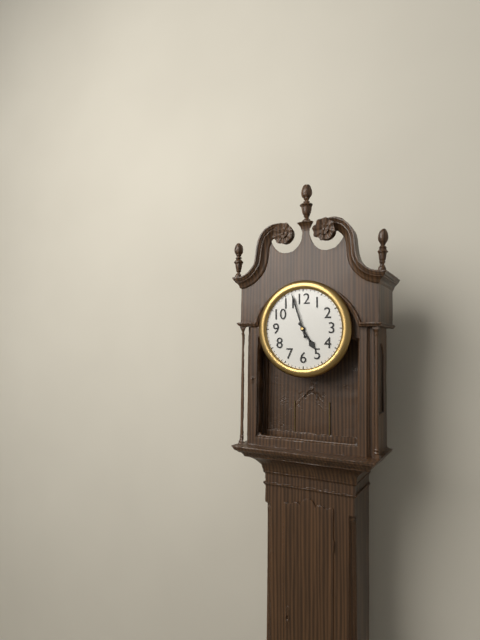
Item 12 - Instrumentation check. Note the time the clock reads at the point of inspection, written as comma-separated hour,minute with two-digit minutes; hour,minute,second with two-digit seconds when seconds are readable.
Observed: 4,57
